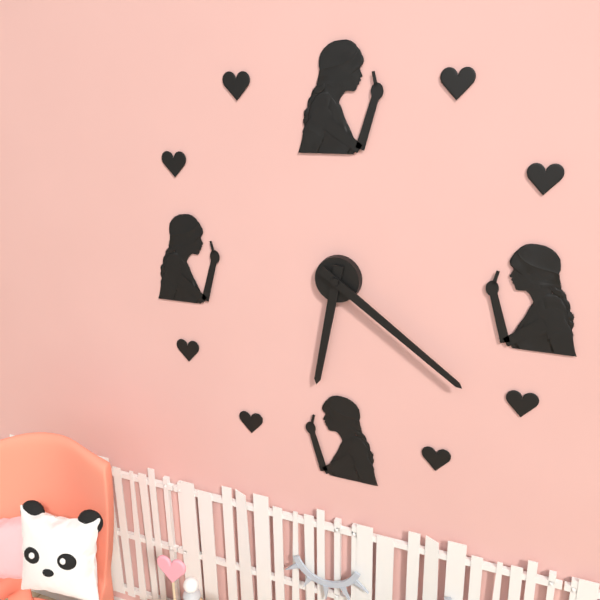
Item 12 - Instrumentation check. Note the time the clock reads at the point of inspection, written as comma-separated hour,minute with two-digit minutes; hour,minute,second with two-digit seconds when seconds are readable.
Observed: 6,21
